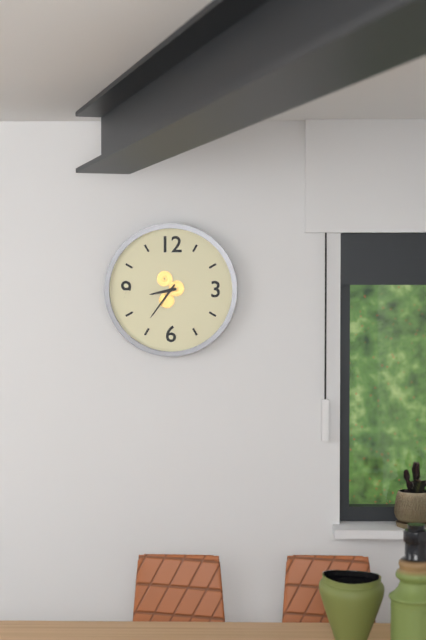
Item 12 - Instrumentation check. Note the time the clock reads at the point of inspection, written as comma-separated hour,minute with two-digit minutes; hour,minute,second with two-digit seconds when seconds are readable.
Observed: 8,36
